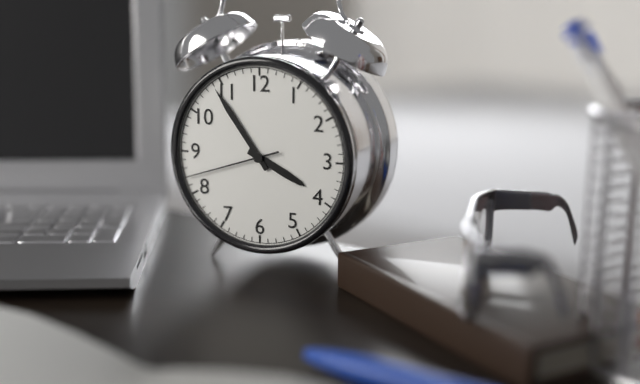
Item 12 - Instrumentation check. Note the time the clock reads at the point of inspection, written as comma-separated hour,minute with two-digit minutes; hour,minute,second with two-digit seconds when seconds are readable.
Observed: 3,54,42
